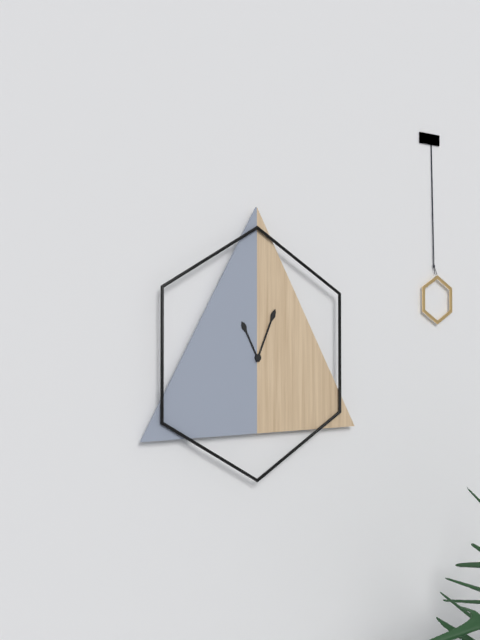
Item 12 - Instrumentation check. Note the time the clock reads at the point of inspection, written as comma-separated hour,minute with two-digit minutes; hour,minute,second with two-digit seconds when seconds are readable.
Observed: 11,04
